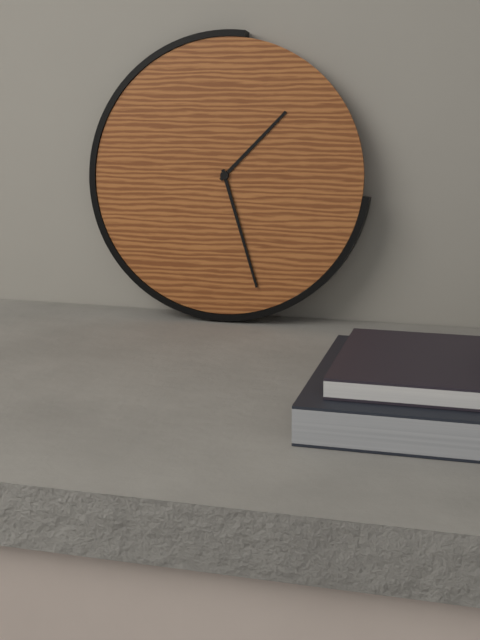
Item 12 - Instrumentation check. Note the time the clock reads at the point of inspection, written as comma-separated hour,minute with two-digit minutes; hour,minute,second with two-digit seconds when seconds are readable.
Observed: 1,27
